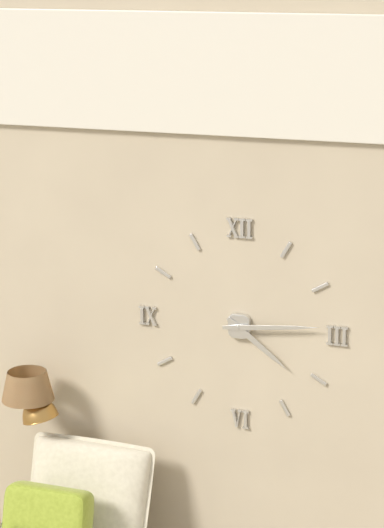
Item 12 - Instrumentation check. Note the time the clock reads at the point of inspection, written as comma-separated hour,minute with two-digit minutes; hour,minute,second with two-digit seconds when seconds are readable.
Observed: 4,14
